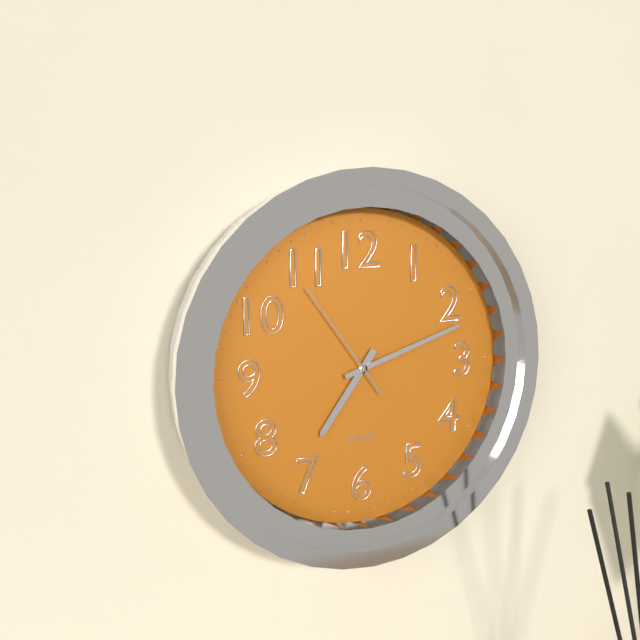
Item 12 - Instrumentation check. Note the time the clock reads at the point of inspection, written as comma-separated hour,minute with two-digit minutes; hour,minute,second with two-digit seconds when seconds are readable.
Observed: 7,12,54
